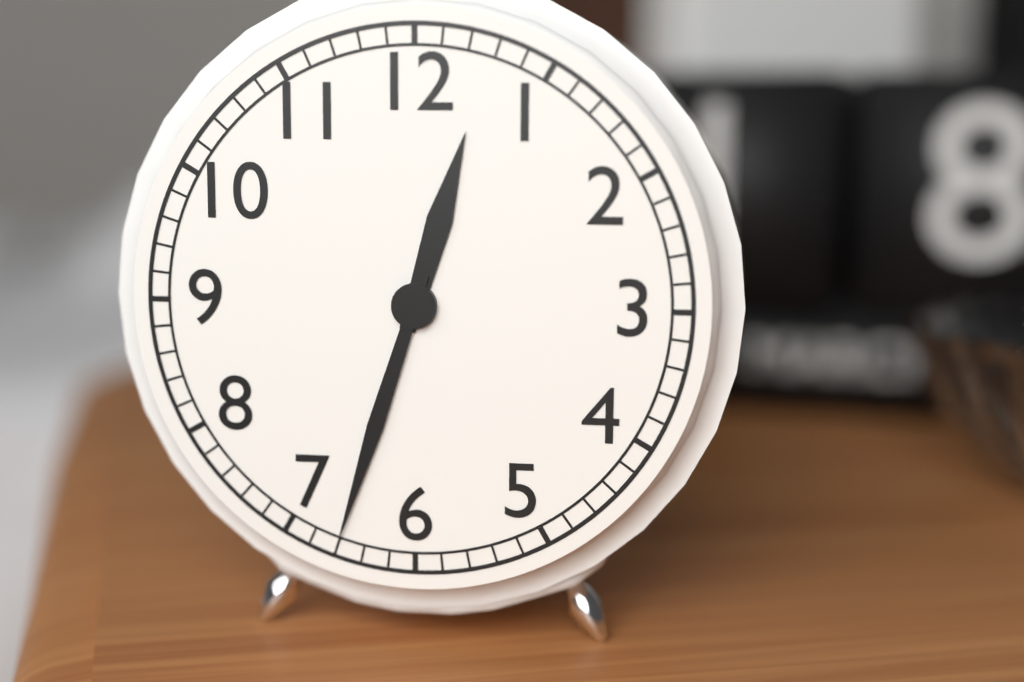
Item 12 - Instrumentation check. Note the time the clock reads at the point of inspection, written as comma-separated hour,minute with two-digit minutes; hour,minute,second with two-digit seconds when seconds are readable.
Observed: 12,33
